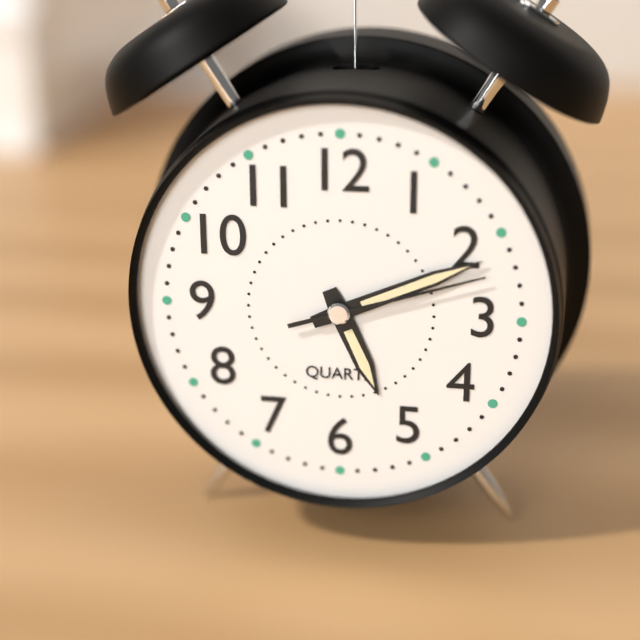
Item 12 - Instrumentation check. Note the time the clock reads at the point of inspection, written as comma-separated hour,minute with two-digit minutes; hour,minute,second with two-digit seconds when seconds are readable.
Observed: 5,11,12
